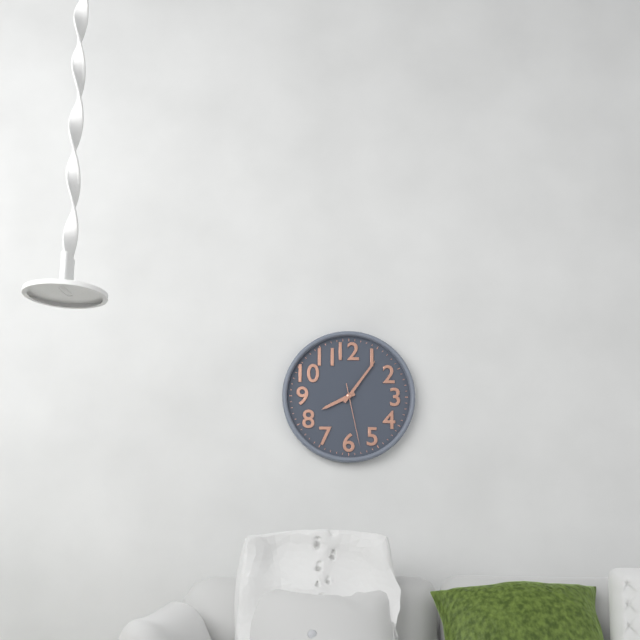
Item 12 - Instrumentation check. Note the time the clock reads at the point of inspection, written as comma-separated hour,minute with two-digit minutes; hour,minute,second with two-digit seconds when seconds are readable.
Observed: 8,06,28
